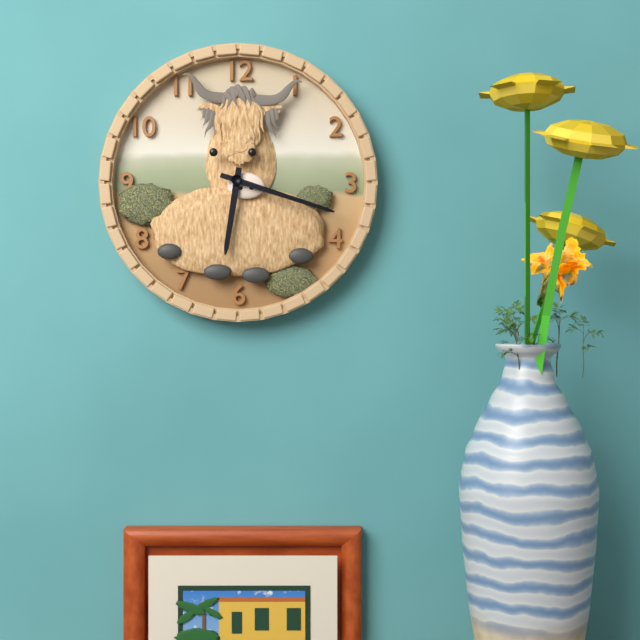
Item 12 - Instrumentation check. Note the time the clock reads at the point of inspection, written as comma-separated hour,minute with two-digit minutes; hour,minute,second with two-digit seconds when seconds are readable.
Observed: 6,18
